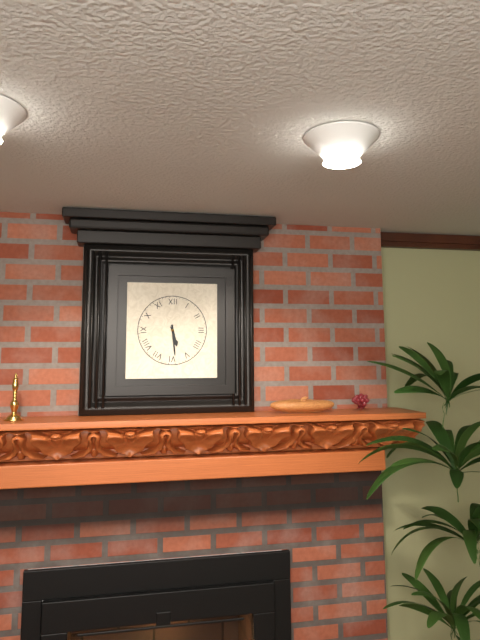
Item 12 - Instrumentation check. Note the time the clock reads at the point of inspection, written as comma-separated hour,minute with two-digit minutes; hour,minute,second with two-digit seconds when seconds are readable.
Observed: 5,29
